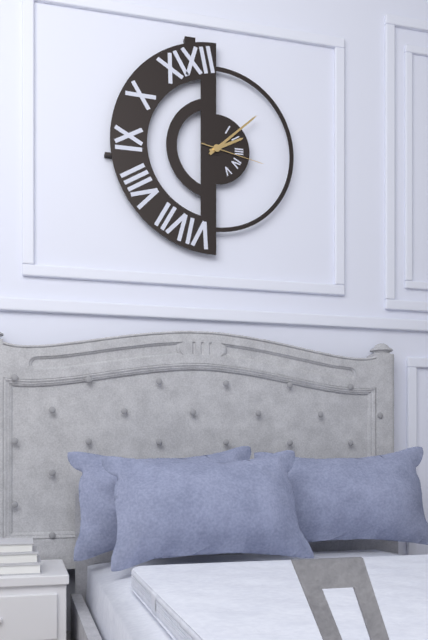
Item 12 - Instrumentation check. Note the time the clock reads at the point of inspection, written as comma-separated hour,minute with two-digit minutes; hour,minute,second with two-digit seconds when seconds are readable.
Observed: 2,08,17
